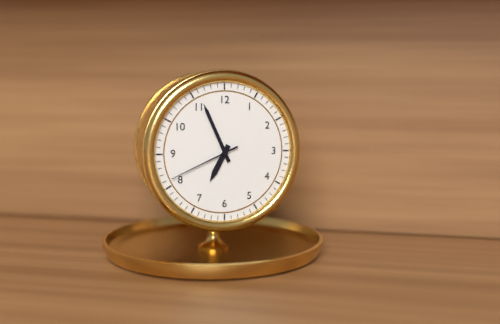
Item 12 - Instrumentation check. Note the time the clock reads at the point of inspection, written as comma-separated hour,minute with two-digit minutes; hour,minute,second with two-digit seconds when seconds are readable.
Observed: 6,56,41
